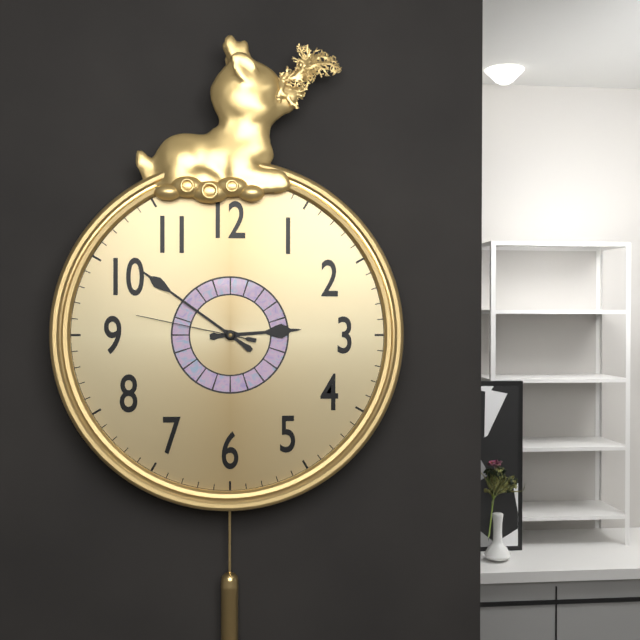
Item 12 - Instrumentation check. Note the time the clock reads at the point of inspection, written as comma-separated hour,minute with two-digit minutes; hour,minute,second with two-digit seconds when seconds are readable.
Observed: 2,51,47
